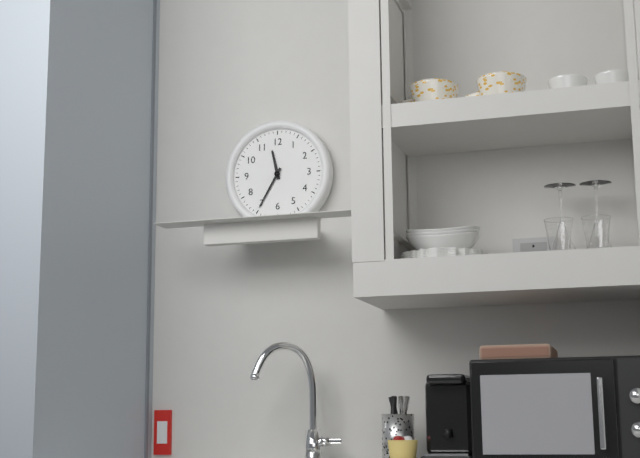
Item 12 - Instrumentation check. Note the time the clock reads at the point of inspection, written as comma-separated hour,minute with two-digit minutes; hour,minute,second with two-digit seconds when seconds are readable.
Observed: 11,35
